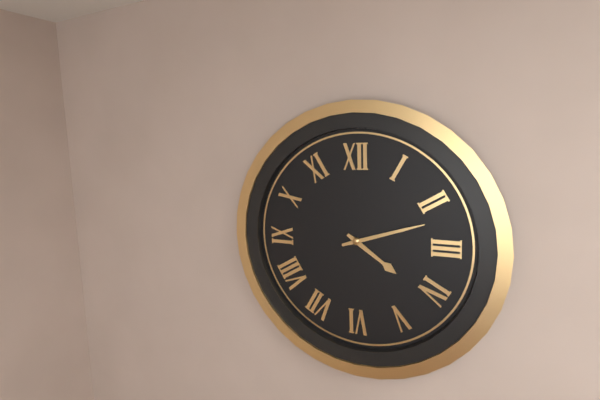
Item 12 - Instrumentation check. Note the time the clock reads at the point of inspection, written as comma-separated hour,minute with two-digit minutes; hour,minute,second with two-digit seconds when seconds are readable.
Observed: 4,12
